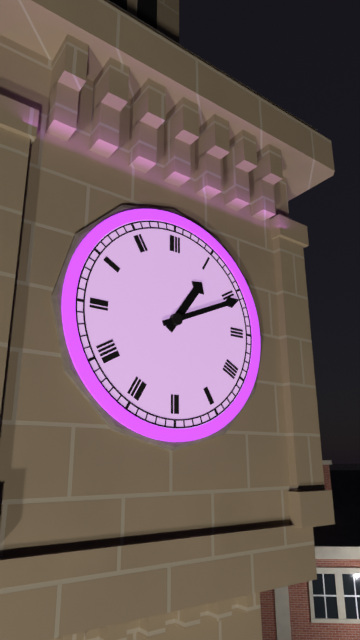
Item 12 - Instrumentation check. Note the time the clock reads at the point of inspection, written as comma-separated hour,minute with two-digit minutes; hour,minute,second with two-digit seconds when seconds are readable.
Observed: 1,11
